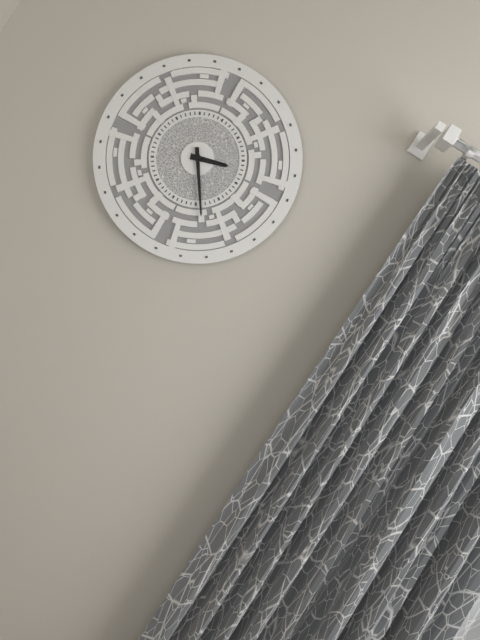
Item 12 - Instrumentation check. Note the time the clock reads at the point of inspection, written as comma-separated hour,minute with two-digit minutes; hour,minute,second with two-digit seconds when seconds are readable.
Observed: 2,24
